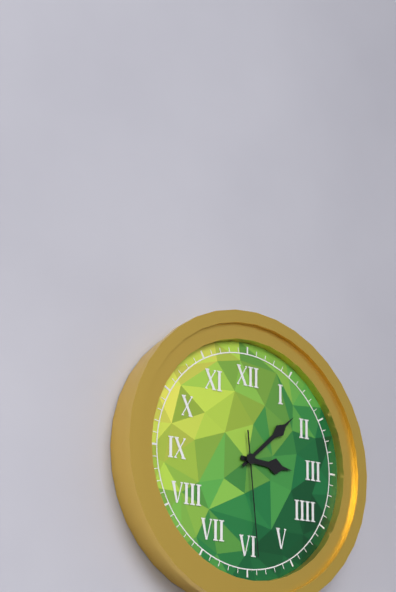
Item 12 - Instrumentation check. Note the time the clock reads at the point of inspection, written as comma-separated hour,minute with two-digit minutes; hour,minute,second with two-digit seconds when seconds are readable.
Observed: 3,08,29
